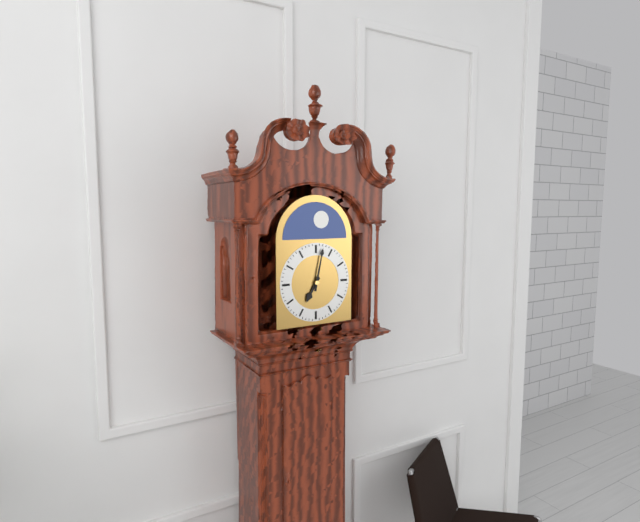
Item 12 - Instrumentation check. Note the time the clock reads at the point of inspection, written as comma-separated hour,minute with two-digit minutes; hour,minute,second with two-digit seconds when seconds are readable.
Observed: 7,02
